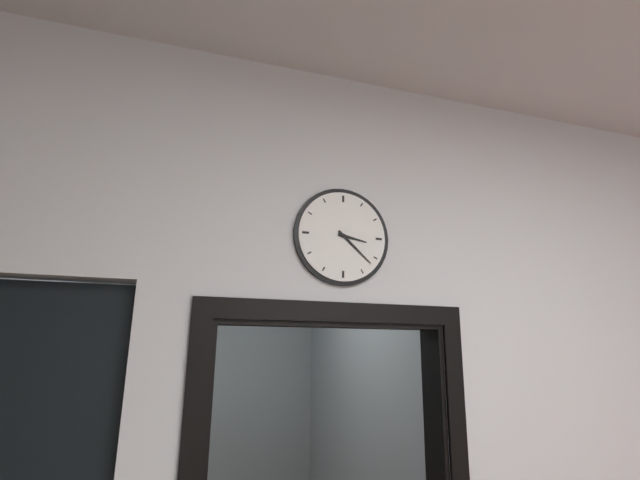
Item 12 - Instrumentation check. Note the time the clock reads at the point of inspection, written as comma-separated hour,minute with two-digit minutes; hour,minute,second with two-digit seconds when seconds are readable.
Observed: 3,22
